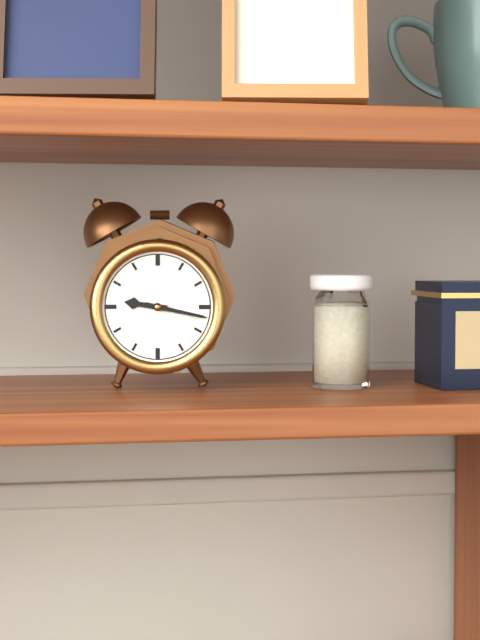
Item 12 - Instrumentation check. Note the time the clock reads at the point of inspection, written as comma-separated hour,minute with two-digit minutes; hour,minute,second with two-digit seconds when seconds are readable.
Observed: 9,17
